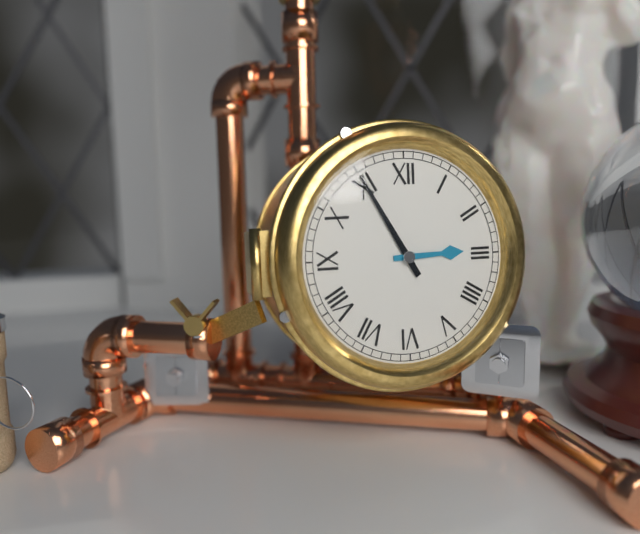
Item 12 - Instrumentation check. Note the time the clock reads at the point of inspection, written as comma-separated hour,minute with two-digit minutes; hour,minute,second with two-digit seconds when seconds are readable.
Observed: 2,55
